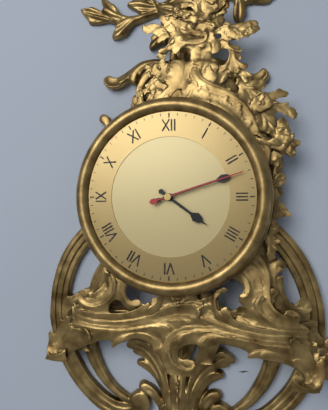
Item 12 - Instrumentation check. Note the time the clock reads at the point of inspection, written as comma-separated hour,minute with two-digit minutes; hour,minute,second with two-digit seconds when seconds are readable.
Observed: 4,12,12
